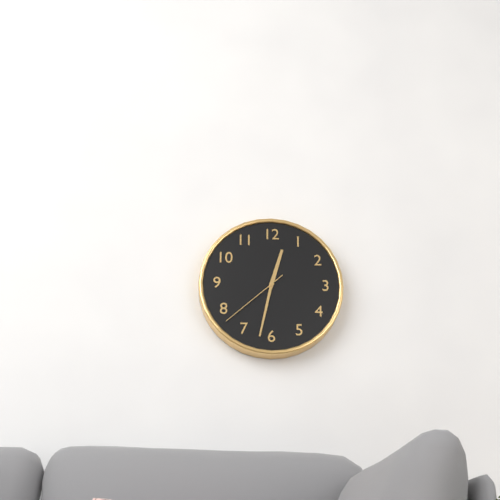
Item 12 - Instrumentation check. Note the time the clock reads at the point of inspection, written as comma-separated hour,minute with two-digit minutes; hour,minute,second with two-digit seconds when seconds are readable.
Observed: 12,32,38
